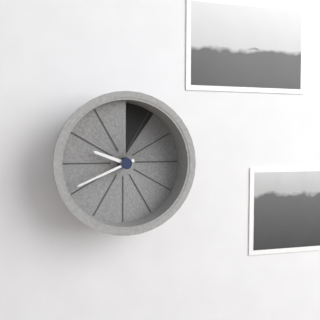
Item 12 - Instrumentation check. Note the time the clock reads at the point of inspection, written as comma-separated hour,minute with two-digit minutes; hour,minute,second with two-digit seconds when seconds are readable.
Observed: 9,41
